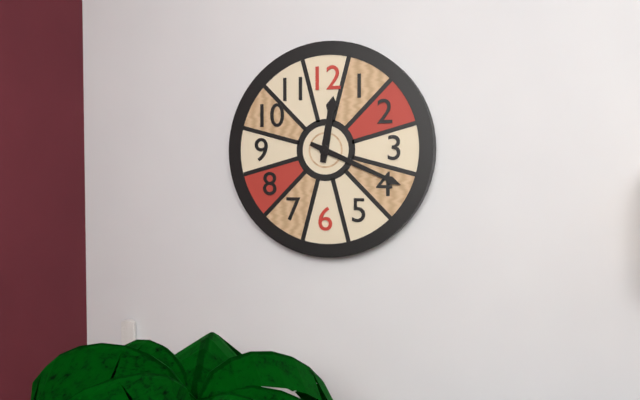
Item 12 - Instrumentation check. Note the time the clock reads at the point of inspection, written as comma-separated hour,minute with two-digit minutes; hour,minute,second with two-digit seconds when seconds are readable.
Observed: 12,19
